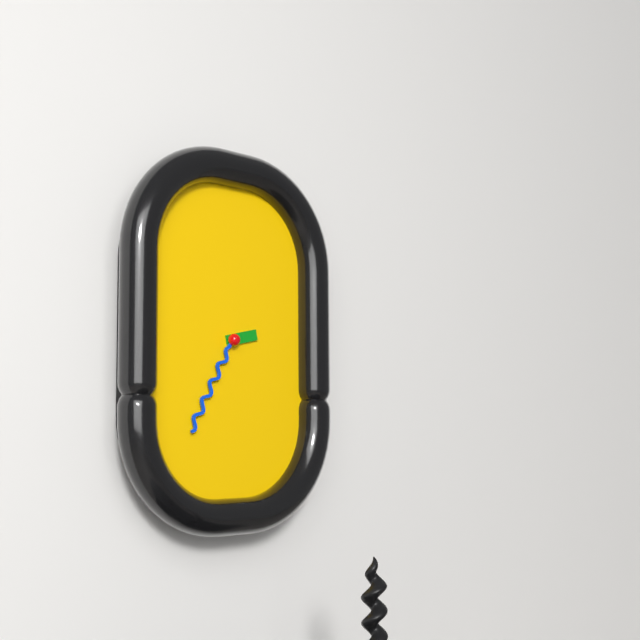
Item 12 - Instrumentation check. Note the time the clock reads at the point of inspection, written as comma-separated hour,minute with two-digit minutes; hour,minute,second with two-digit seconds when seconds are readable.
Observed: 2,35
